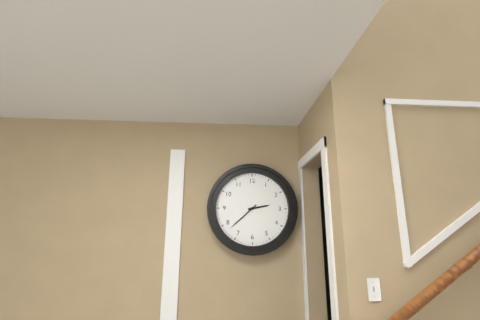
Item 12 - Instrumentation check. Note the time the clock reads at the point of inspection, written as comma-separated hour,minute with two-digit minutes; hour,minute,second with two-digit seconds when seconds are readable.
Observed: 2,38
